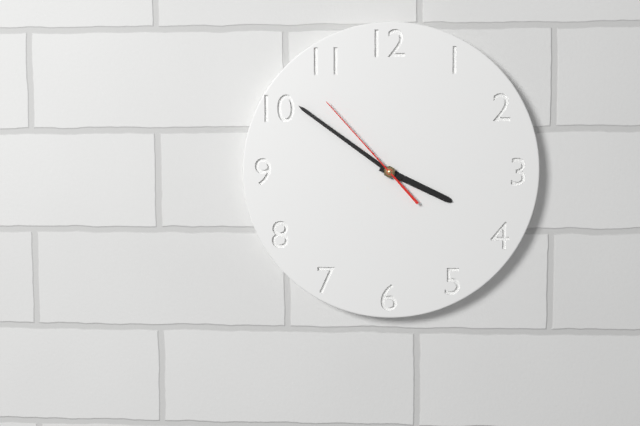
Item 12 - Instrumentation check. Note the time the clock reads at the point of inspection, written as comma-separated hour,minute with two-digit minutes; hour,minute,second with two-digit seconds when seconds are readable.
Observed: 3,51,53
